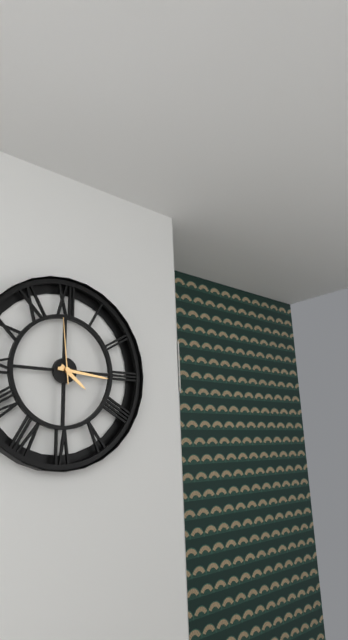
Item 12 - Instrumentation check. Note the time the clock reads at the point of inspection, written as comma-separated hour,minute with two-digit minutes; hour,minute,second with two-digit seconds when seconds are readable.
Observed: 4,16,59
